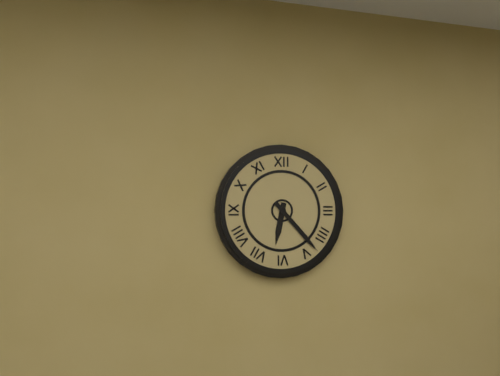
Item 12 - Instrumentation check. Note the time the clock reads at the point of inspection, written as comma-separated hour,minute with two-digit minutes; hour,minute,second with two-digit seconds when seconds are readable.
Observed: 6,23
